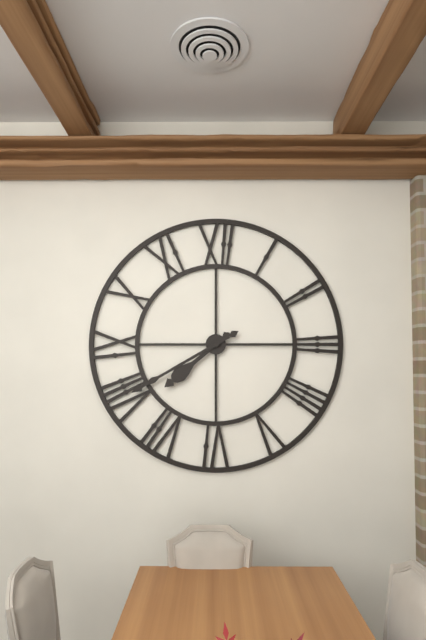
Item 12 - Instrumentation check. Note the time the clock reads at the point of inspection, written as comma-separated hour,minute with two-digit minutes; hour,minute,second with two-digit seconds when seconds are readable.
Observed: 7,40
